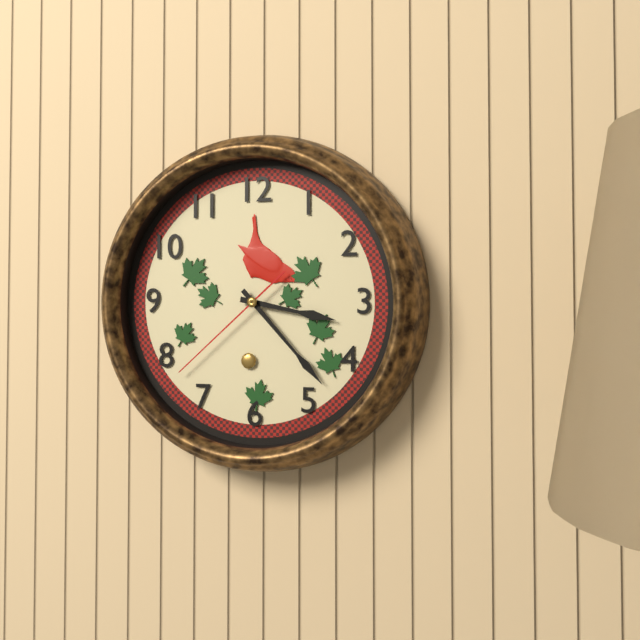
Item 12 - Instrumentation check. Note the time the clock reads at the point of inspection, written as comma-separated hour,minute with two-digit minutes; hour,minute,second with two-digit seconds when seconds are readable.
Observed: 3,23,38
